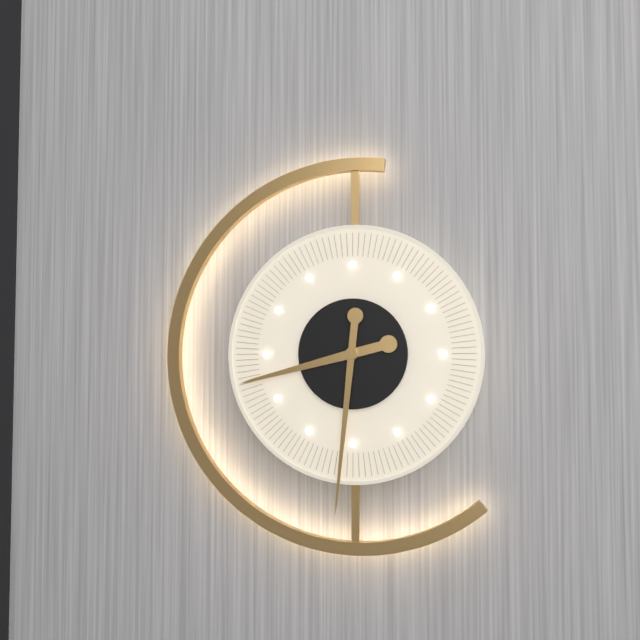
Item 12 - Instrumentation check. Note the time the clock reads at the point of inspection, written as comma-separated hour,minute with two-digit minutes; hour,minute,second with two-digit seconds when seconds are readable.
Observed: 8,31
